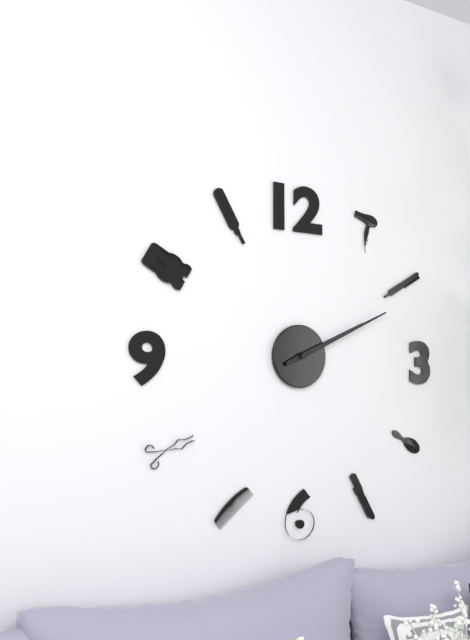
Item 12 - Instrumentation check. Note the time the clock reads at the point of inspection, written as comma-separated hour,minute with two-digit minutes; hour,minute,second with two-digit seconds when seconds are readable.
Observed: 2,11
